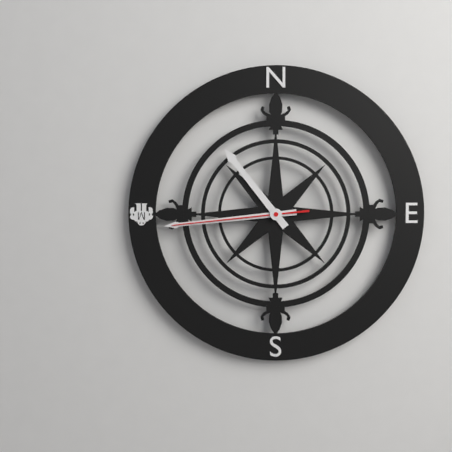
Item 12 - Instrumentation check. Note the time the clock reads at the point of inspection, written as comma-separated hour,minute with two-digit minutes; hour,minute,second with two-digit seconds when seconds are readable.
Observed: 10,44,44
